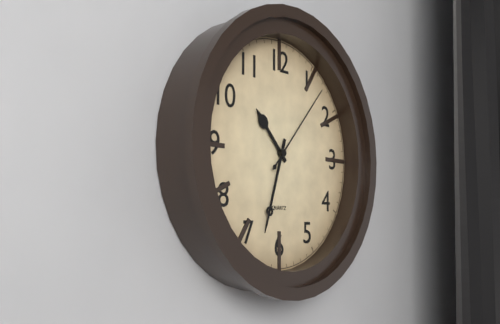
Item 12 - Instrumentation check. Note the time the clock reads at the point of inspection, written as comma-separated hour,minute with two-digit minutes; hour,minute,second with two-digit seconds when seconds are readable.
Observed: 10,33,07
